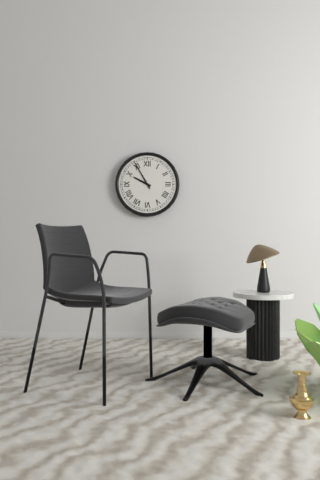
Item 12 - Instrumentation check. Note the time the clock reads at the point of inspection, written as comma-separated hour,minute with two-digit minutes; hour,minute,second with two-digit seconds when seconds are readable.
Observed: 9,55
